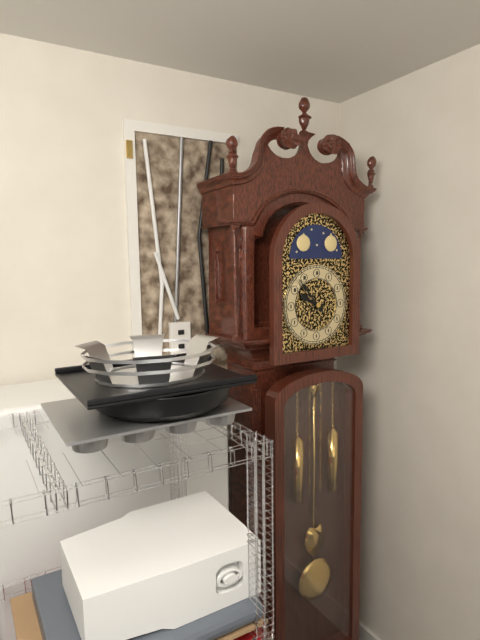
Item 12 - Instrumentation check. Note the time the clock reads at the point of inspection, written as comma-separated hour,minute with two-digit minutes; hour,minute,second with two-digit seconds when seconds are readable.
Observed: 9,53
